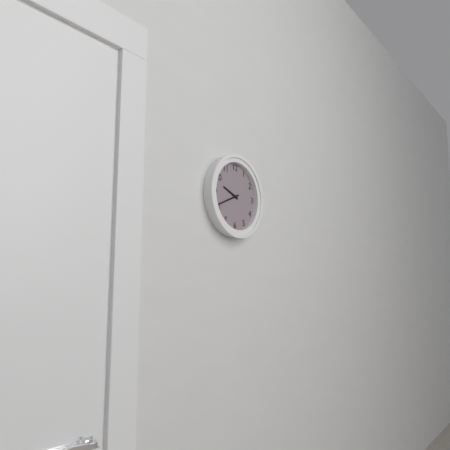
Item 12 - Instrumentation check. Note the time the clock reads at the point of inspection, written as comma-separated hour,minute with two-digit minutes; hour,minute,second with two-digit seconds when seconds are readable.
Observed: 9,41
